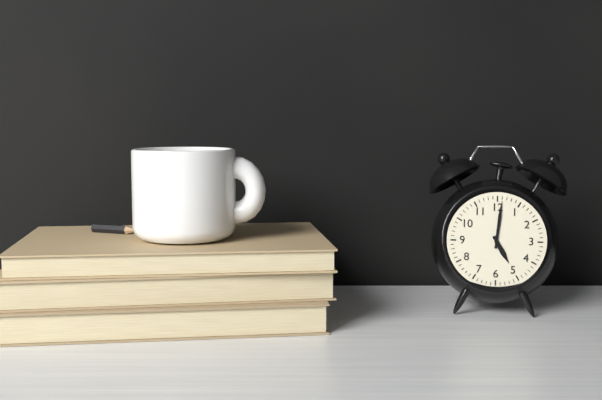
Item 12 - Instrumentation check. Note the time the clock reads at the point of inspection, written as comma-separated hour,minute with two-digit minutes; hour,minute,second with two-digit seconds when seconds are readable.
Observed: 5,01
